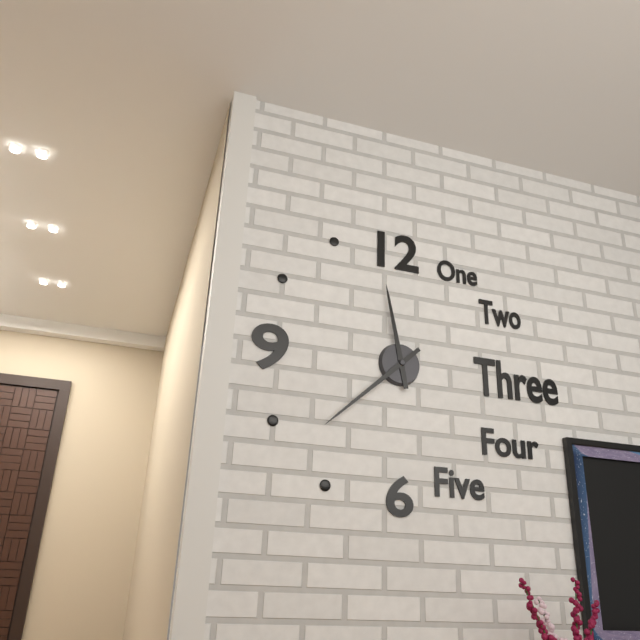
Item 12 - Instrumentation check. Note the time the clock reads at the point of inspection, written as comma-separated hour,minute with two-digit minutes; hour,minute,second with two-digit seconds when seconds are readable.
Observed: 11,38
